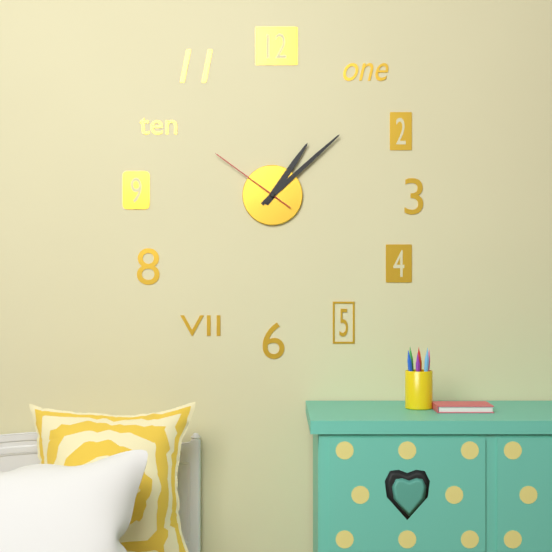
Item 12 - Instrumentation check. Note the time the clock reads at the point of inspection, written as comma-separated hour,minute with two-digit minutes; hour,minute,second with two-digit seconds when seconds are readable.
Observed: 1,08,51
